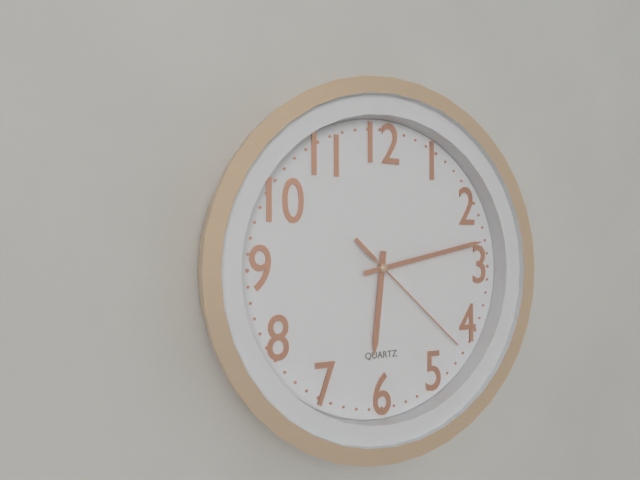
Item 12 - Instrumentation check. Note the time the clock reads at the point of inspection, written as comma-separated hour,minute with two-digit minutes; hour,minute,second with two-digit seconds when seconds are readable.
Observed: 6,13,22
